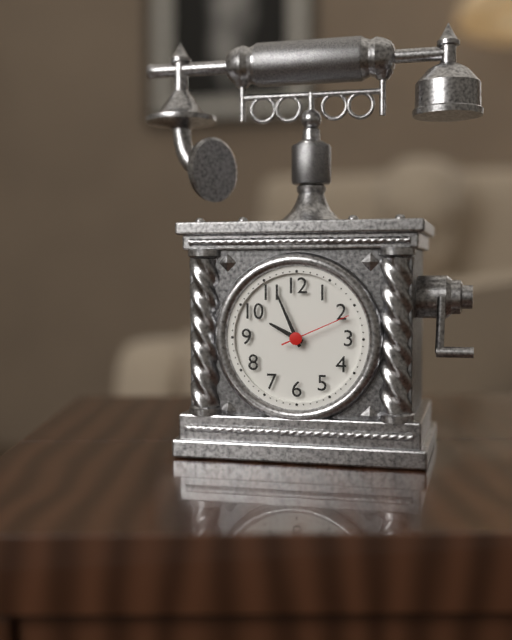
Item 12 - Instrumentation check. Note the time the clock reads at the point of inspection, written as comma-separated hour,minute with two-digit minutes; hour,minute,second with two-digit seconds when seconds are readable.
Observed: 9,56,11
